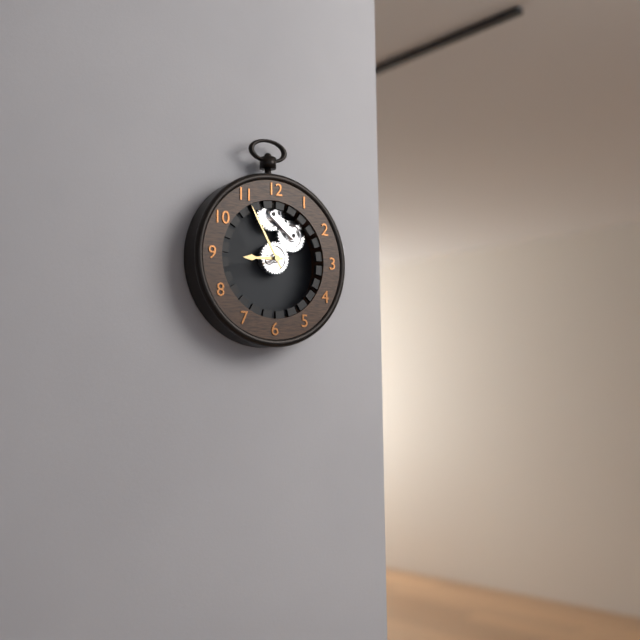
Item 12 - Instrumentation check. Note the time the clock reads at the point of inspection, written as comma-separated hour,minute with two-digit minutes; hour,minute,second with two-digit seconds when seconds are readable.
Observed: 8,55
